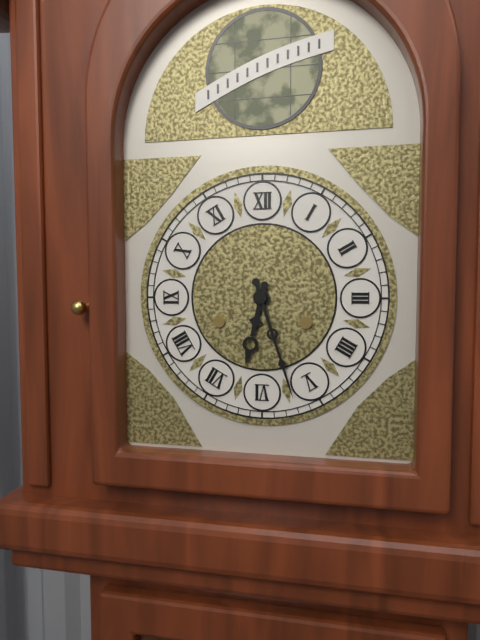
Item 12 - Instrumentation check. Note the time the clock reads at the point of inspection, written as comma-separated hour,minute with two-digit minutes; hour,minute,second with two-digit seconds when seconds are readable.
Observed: 6,27
